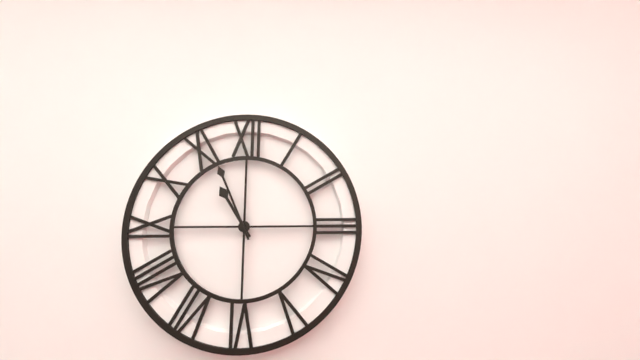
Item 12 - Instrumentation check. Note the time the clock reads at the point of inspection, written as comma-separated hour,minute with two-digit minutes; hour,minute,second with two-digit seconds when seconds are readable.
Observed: 10,56
